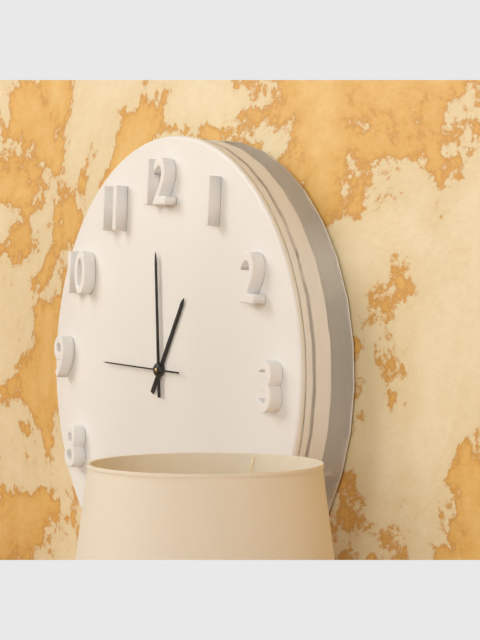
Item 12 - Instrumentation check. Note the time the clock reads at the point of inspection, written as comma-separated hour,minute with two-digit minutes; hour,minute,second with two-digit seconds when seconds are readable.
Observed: 12,59,45
